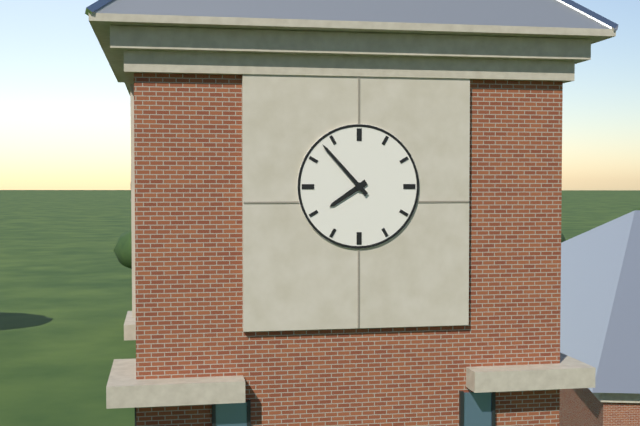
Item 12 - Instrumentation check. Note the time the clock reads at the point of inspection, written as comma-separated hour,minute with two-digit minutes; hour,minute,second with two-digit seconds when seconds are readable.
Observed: 7,53
